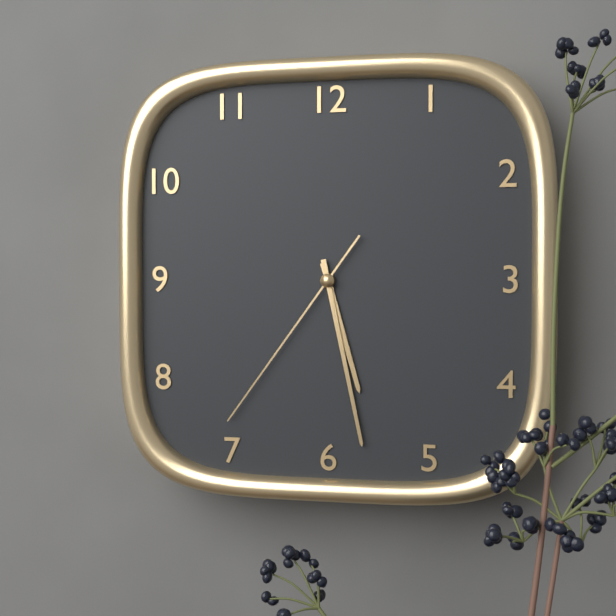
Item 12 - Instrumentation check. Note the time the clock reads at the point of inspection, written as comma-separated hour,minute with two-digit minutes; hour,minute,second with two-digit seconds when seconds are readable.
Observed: 5,28,36
